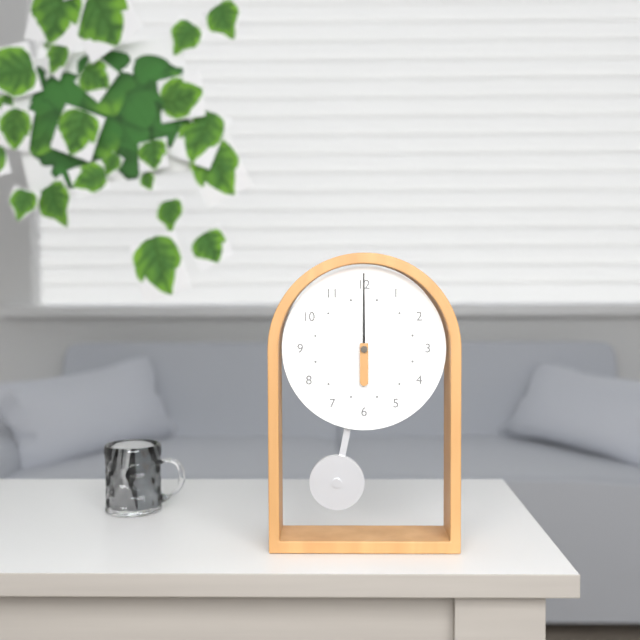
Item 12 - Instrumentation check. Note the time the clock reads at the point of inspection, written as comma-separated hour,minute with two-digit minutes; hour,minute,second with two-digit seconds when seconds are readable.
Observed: 6,00
